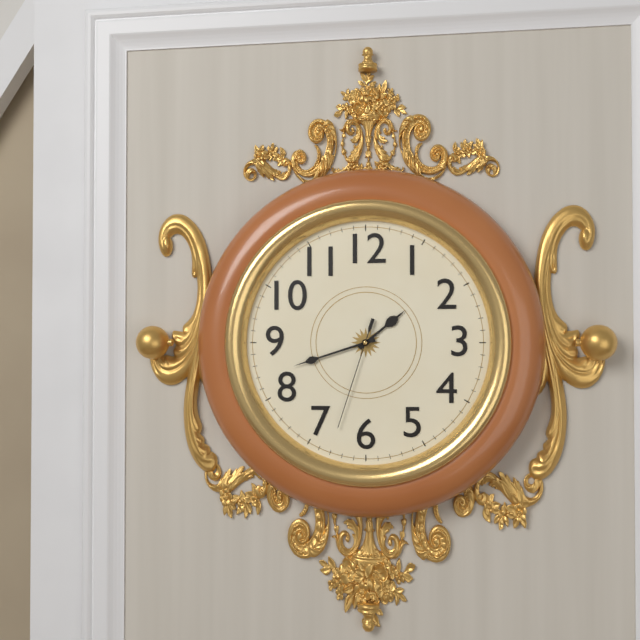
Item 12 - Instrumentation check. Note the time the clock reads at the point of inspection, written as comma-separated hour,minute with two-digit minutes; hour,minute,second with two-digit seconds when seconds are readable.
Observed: 1,42,33
